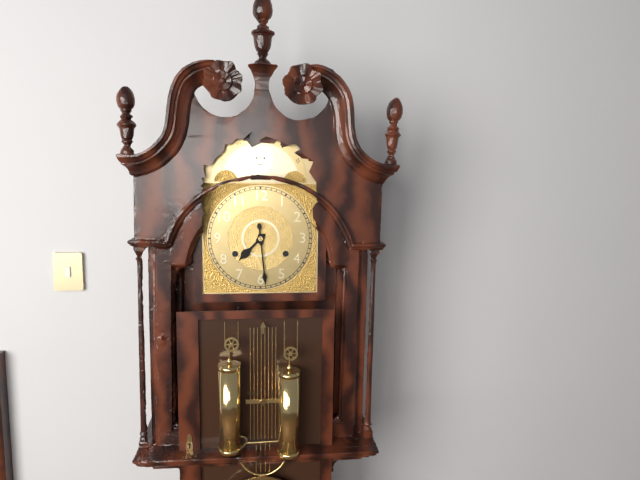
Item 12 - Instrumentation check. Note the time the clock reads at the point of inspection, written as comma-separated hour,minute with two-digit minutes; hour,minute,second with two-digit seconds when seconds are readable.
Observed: 7,29
